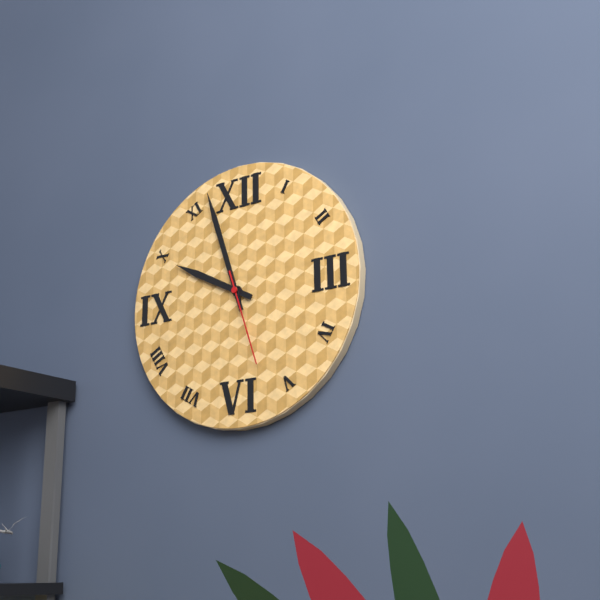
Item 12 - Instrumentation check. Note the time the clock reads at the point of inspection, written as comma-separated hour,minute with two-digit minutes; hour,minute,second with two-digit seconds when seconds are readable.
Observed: 9,57,27
